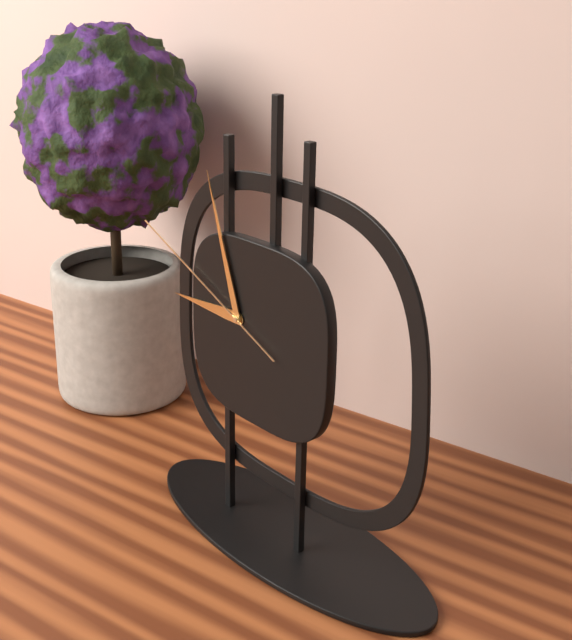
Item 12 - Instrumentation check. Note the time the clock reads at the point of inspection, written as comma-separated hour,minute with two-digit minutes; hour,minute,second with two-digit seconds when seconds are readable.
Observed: 8,57,49
